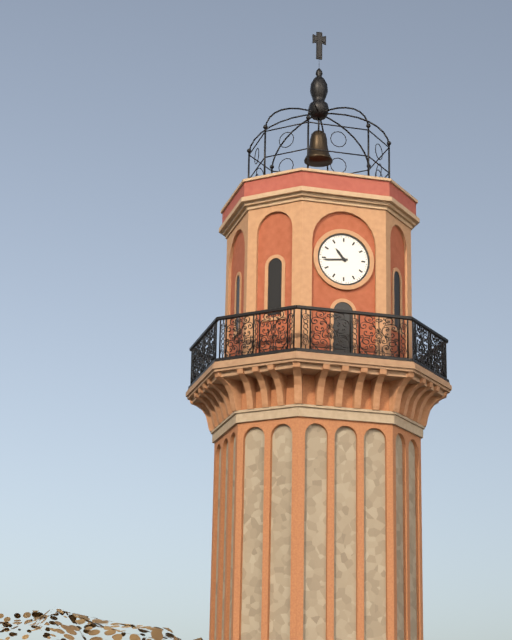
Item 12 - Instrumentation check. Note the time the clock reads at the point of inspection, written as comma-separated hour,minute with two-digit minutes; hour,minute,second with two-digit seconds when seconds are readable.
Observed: 10,44
